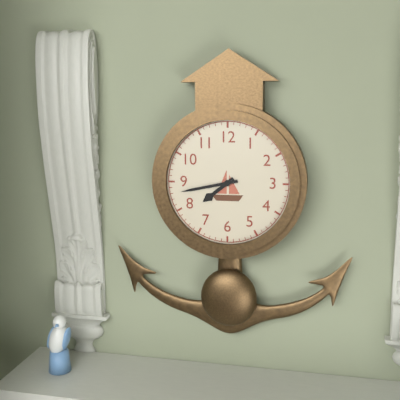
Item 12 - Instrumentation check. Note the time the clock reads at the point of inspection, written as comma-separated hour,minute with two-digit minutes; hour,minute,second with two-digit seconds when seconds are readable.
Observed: 7,43
